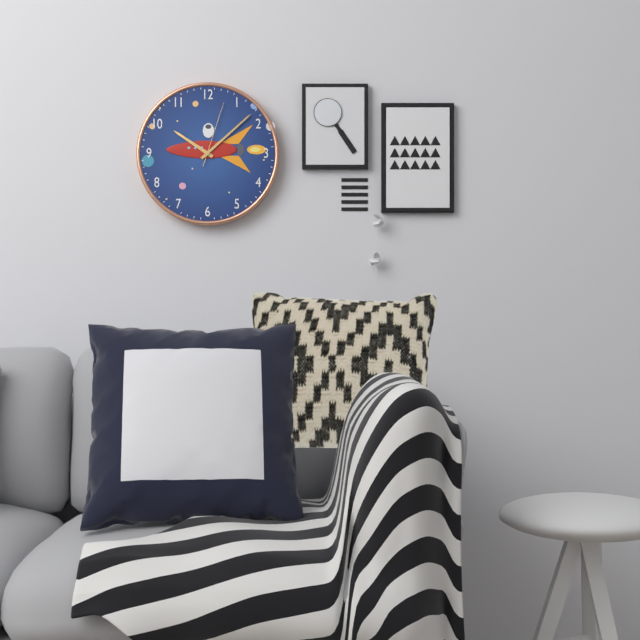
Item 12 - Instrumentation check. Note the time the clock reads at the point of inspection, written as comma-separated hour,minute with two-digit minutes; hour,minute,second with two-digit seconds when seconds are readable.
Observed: 10,08,03
